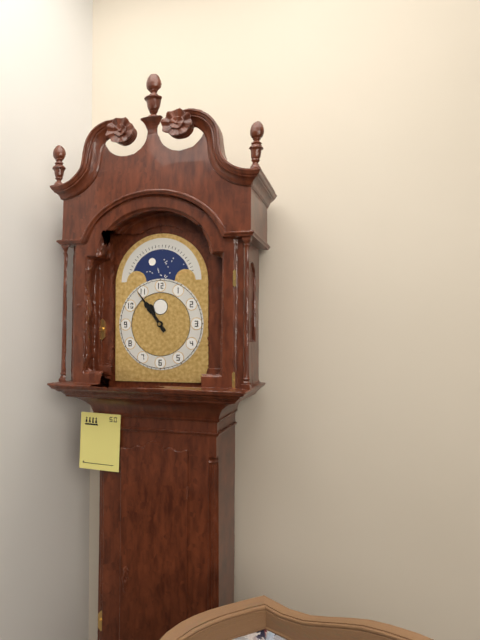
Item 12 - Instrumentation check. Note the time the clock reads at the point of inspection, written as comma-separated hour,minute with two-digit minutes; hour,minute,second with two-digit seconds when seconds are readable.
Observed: 10,54
